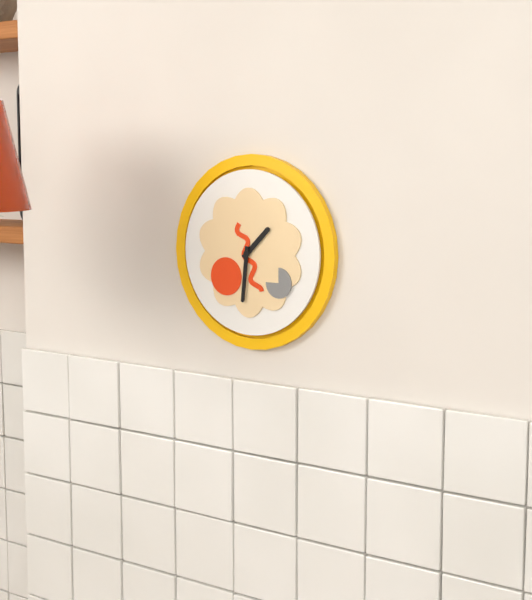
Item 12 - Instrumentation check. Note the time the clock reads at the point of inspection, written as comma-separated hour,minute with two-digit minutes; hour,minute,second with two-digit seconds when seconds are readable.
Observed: 1,31
